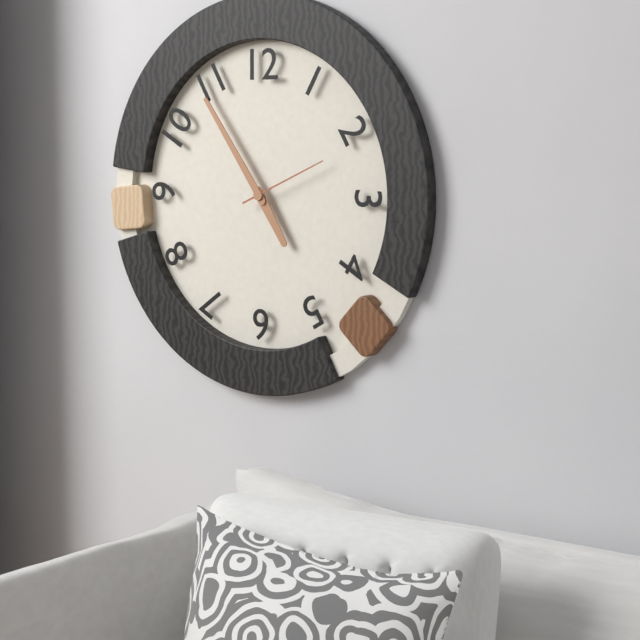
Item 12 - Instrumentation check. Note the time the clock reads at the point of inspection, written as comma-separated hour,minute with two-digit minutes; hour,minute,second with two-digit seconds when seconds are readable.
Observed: 4,54,11
